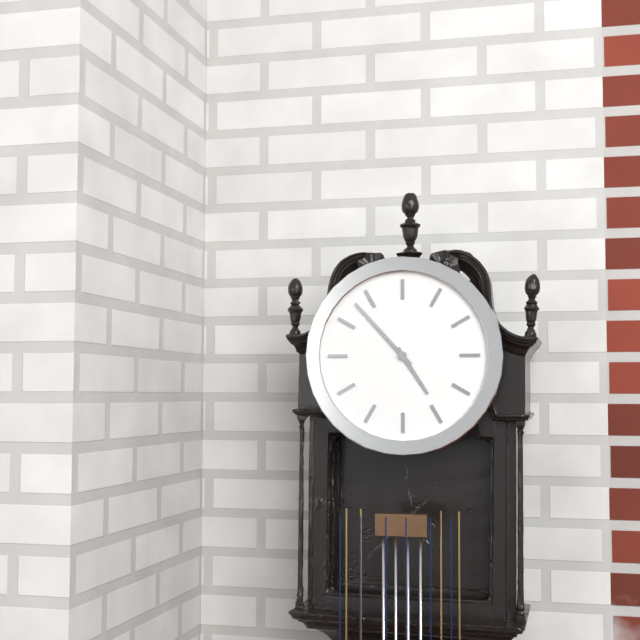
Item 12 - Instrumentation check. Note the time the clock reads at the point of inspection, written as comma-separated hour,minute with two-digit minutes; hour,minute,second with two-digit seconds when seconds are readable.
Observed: 4,53
